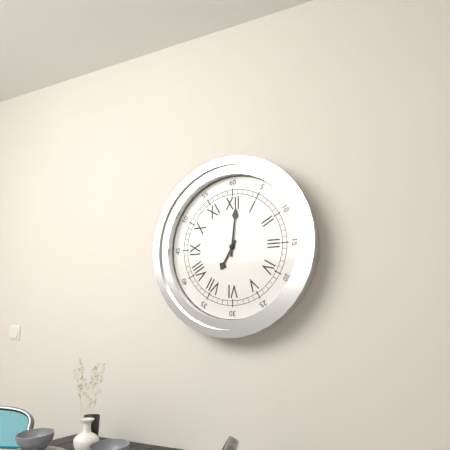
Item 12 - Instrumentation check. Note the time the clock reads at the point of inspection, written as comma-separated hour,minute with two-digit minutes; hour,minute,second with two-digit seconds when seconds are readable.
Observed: 7,01
